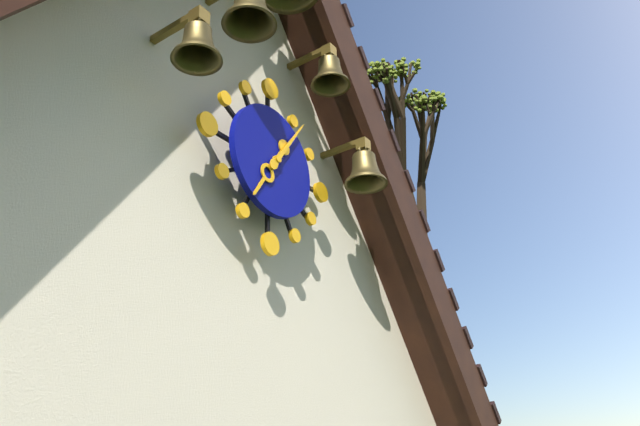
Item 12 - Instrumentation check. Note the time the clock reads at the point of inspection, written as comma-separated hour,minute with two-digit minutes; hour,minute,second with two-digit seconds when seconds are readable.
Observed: 7,06
